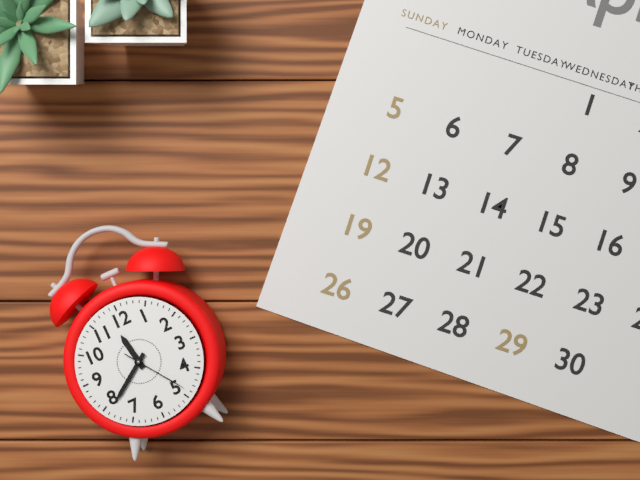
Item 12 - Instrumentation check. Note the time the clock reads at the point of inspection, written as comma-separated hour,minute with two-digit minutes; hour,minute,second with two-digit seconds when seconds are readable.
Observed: 11,39,24
